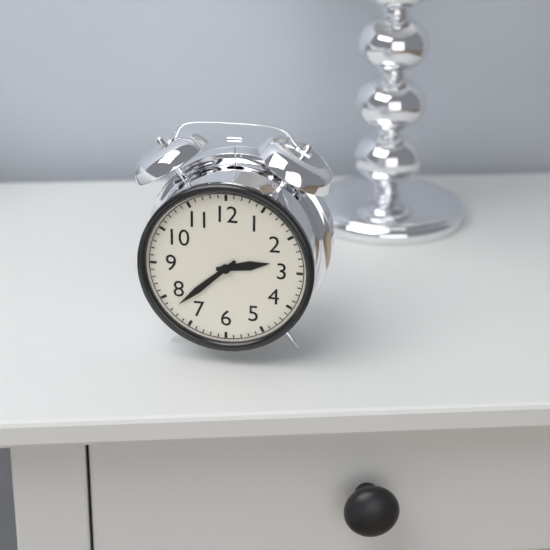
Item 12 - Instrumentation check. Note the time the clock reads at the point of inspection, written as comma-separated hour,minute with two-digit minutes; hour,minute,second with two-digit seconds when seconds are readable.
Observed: 2,38
